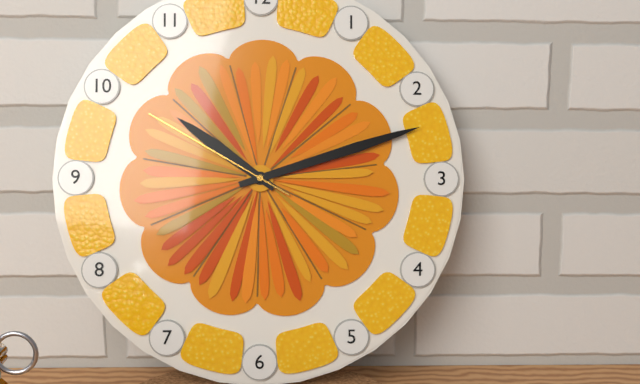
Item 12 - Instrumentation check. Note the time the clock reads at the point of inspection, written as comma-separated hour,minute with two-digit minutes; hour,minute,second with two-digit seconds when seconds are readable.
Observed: 10,12,50
